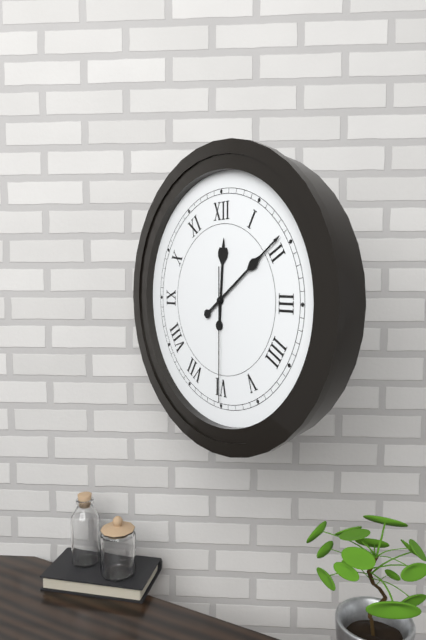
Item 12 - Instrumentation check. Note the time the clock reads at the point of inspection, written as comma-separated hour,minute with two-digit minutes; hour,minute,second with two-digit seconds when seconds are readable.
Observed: 12,09,30
